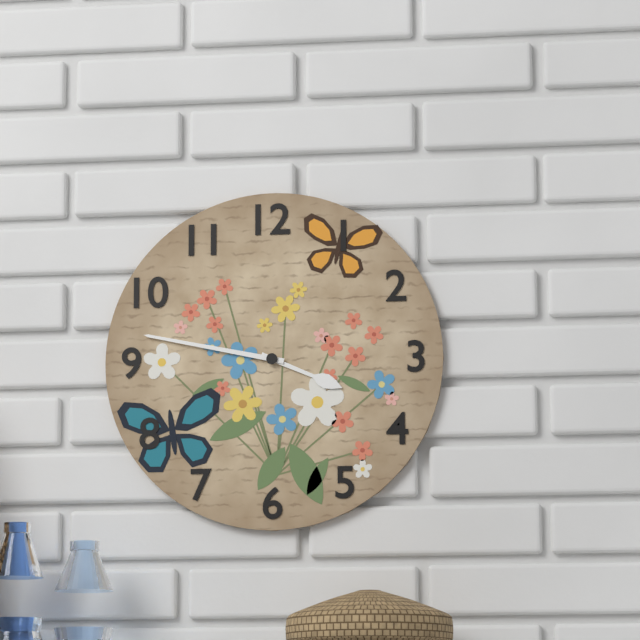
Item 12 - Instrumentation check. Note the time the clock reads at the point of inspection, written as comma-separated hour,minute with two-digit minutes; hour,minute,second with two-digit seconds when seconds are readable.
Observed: 3,47
